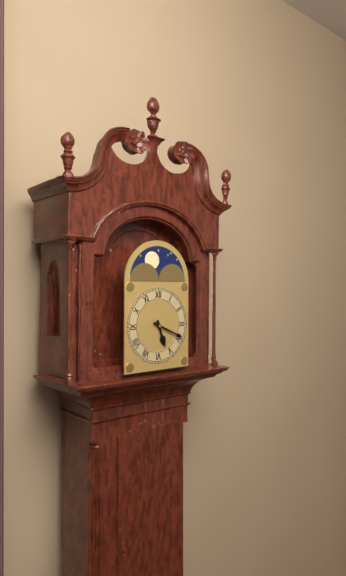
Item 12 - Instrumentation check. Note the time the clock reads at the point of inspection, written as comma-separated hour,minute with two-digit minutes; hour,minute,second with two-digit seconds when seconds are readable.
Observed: 5,19
